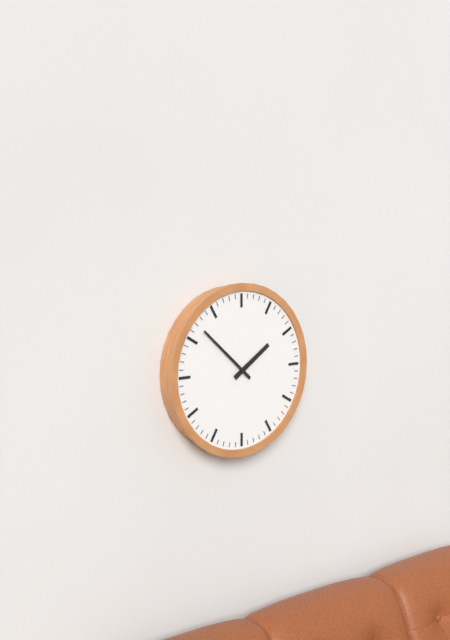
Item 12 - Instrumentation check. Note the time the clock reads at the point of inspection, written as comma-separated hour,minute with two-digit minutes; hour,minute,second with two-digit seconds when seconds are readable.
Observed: 1,52
